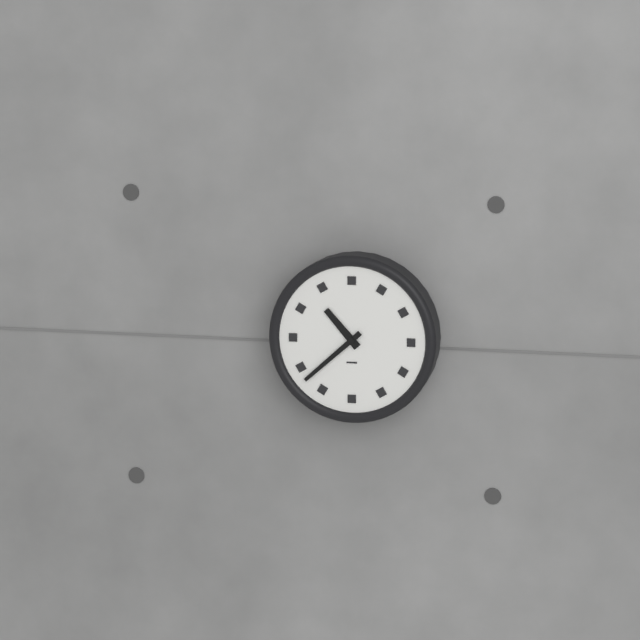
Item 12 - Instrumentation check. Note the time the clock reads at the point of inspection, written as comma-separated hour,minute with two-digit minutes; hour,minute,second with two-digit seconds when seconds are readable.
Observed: 10,38
